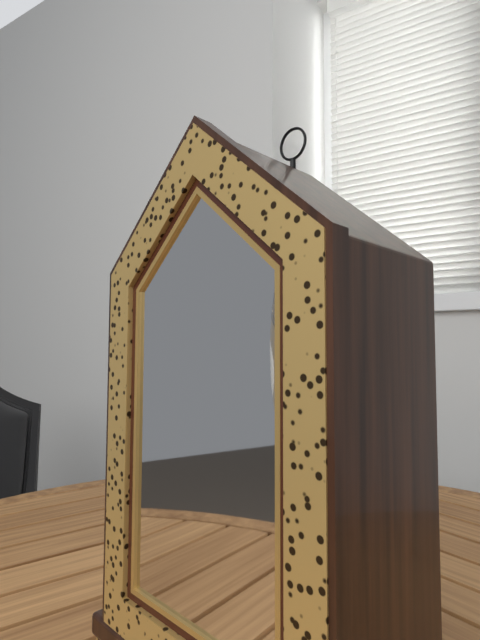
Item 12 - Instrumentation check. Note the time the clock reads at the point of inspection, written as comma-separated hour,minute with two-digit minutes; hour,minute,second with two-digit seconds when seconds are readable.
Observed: 3,30
